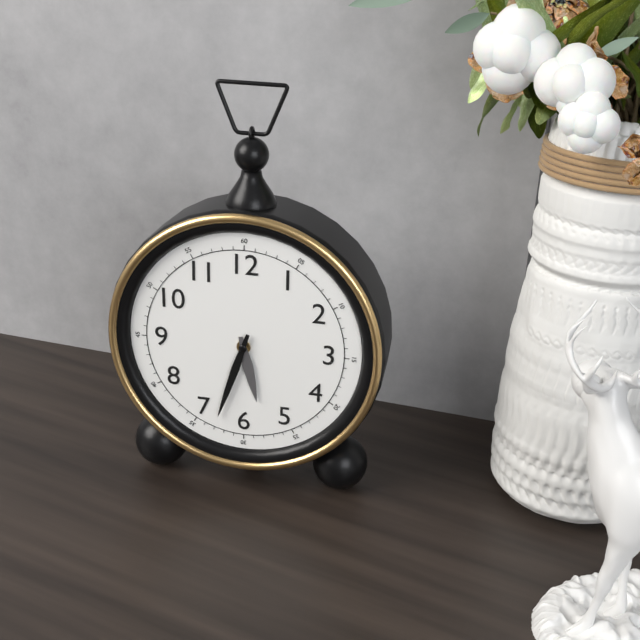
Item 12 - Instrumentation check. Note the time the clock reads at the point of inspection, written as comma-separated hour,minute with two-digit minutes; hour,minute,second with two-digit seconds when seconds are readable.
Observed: 5,33
